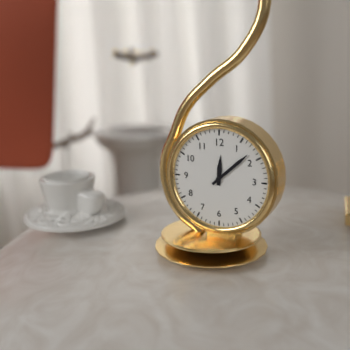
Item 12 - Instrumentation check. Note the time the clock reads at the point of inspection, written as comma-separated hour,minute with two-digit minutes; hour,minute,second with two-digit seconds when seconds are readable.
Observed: 12,08
